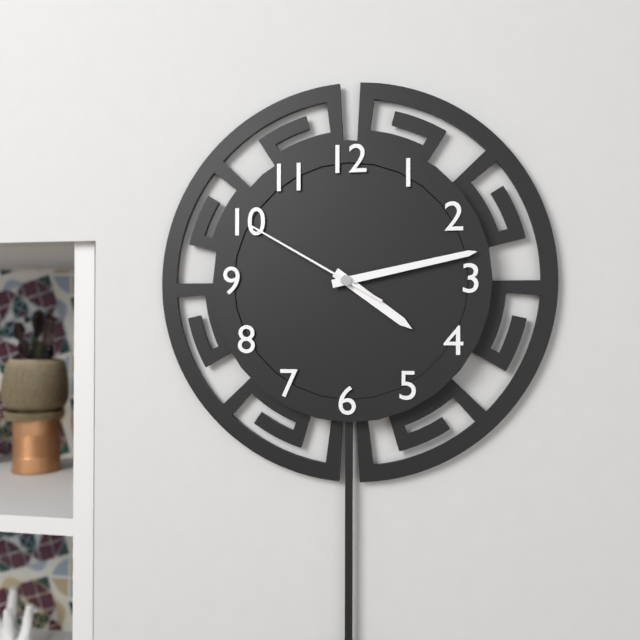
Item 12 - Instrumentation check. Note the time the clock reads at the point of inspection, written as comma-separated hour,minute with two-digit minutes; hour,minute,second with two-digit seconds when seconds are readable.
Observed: 4,13,50
